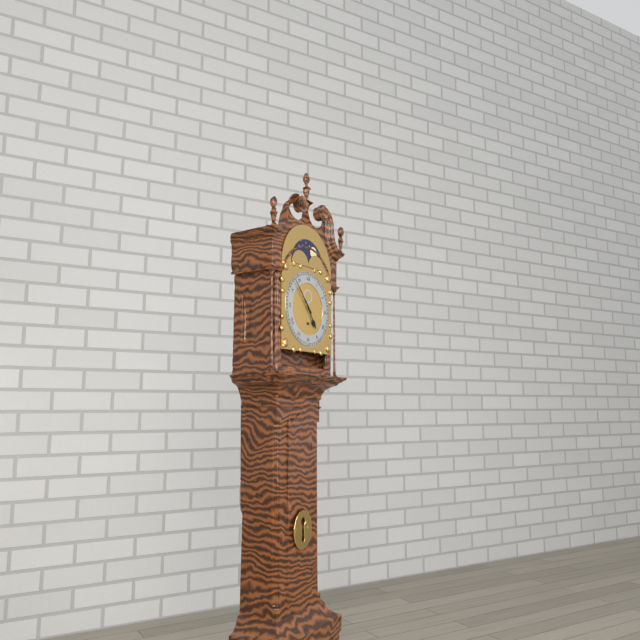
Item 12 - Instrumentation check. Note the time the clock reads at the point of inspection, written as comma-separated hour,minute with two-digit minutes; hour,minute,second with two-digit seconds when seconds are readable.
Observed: 4,53
